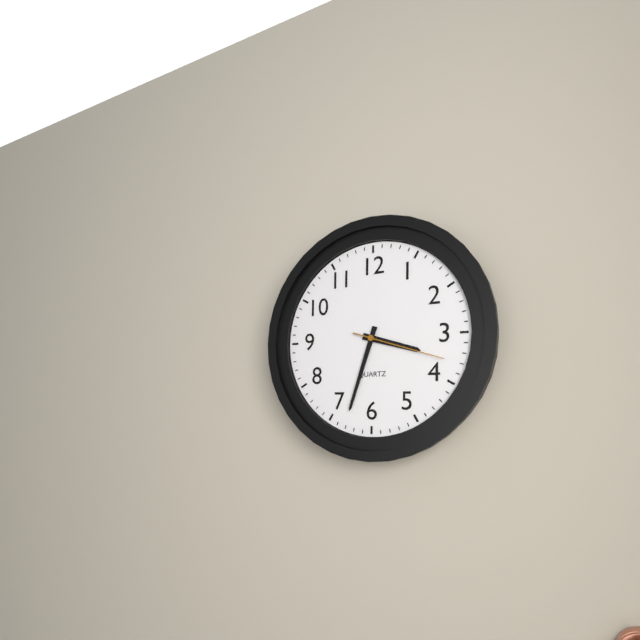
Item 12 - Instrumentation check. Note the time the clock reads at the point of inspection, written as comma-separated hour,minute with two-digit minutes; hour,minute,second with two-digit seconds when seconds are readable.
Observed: 3,33,18
